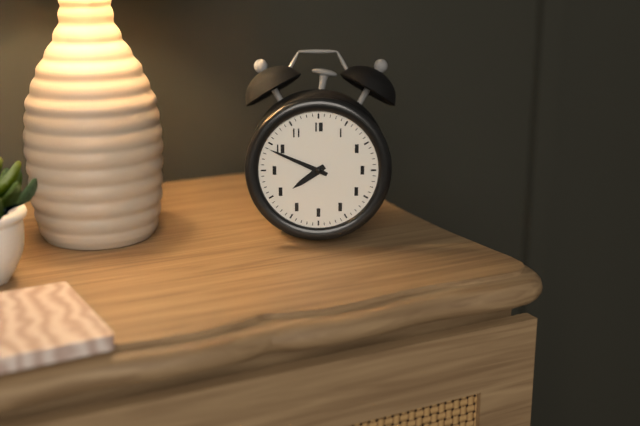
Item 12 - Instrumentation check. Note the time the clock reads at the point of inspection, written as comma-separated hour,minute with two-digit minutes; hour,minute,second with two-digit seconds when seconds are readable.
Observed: 7,49
